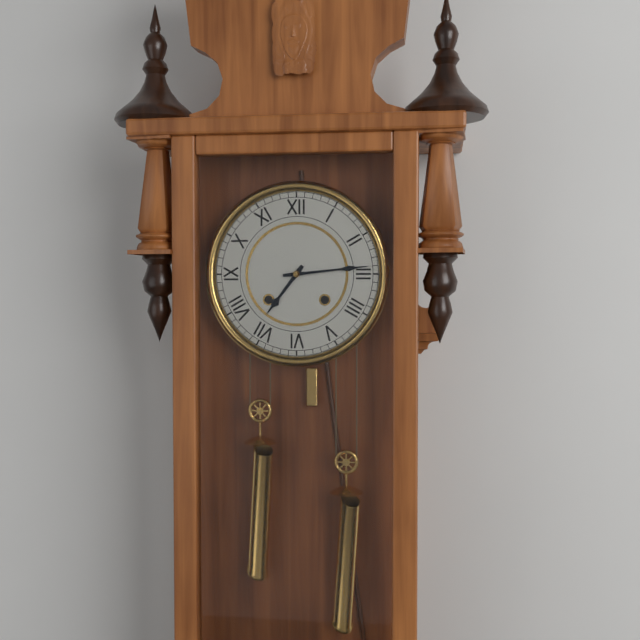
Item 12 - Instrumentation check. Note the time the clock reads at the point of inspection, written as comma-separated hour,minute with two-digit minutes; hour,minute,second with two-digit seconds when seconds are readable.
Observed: 7,14
